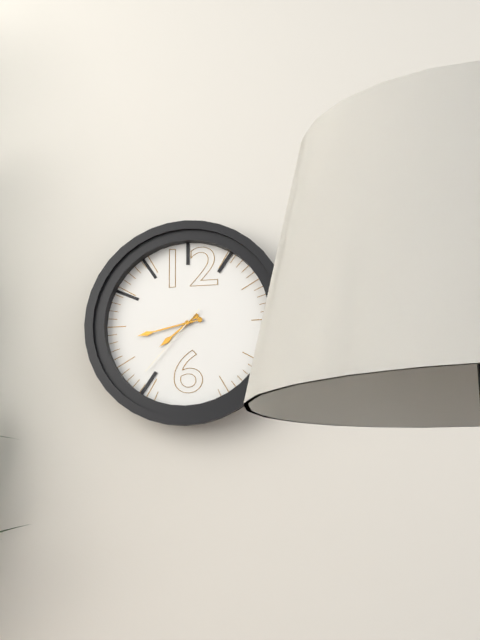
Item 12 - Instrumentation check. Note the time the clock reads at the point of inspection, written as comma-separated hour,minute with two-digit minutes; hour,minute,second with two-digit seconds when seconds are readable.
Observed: 7,43,37
